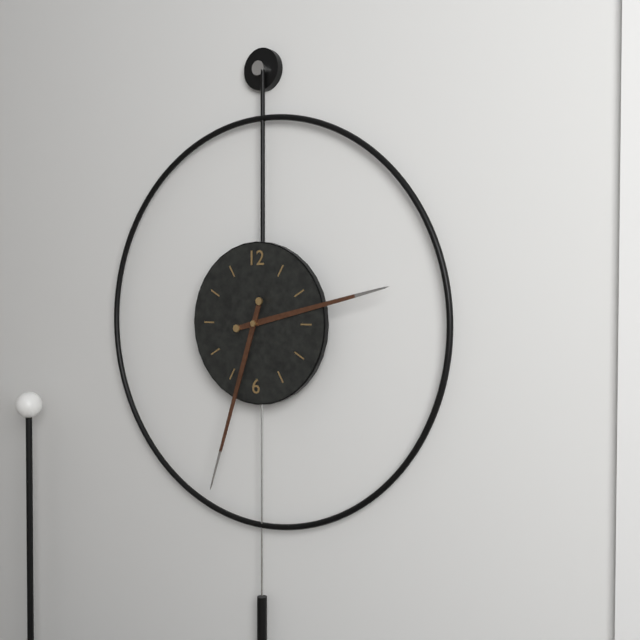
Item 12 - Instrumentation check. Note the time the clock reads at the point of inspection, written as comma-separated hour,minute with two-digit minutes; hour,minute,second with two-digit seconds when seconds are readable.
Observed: 2,33
